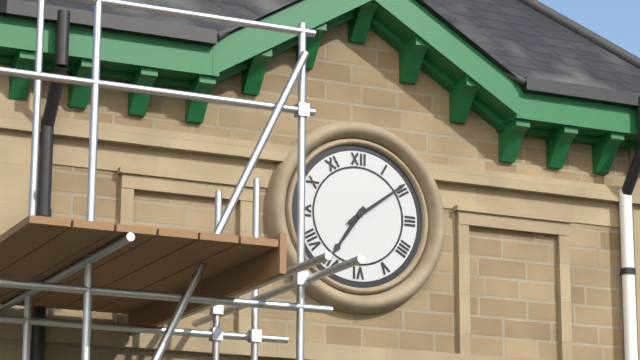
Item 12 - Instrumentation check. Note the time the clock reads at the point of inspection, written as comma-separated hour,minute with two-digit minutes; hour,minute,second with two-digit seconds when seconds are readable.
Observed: 7,09
